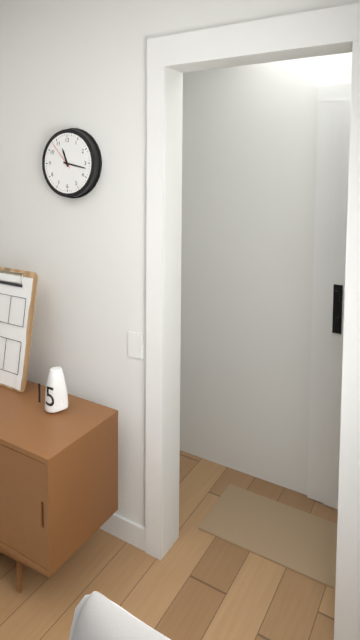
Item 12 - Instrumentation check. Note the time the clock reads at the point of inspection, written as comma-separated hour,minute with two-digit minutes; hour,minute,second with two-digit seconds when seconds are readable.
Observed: 11,17
